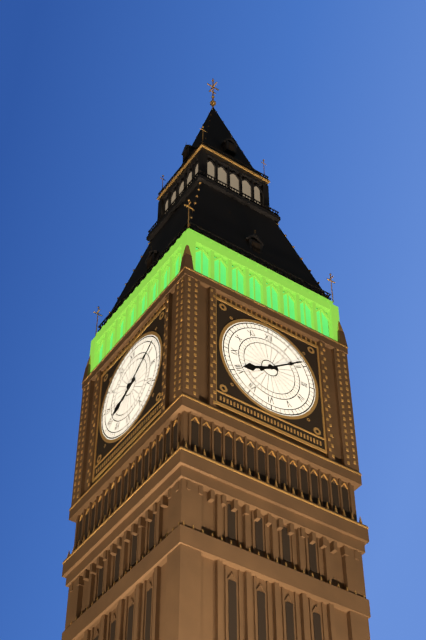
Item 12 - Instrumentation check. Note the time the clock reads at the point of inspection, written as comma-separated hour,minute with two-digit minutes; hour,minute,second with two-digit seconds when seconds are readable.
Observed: 8,09
